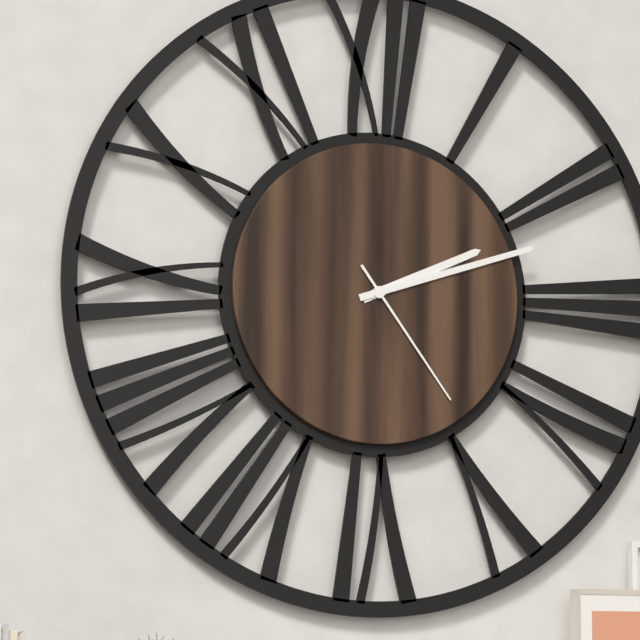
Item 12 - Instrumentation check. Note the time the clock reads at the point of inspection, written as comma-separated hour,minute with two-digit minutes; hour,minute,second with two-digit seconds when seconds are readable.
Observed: 2,12,24
